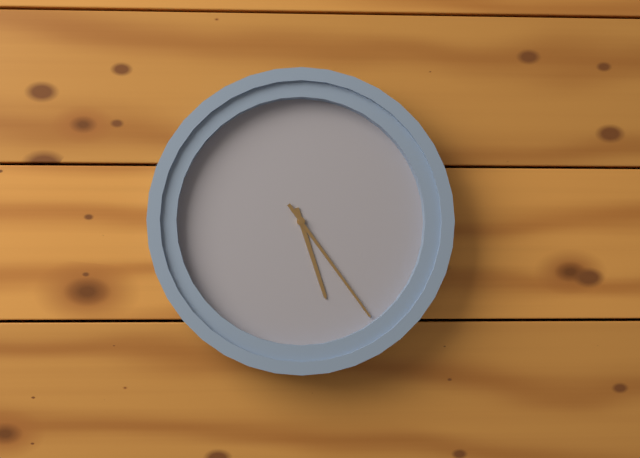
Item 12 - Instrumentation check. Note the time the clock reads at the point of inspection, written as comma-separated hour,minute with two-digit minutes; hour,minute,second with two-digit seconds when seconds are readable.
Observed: 5,24
